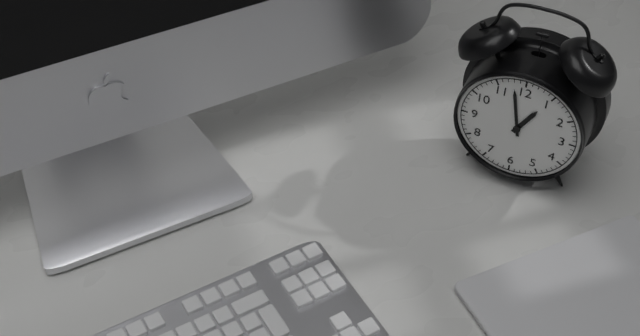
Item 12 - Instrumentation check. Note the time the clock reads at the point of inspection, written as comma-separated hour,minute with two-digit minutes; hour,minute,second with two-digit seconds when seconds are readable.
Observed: 12,58
